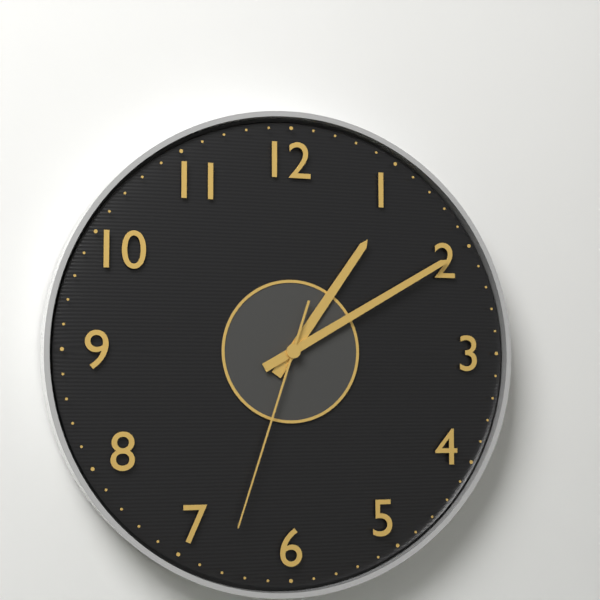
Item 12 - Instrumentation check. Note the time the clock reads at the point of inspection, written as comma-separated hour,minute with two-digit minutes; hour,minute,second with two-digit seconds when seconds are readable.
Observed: 1,10,33
